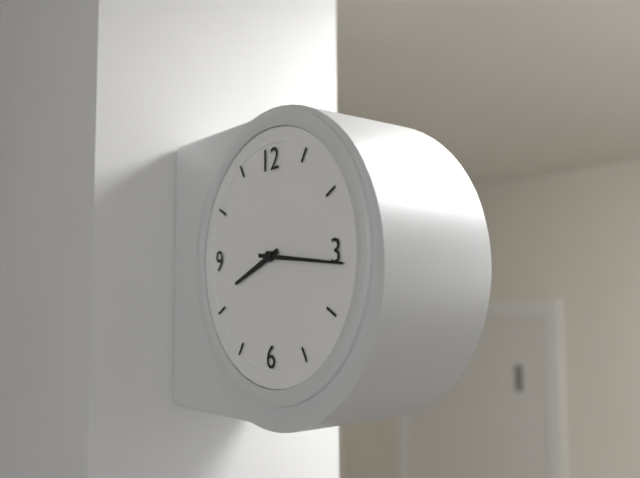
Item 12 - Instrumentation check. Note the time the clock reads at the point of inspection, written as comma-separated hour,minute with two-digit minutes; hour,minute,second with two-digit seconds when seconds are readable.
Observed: 8,16
